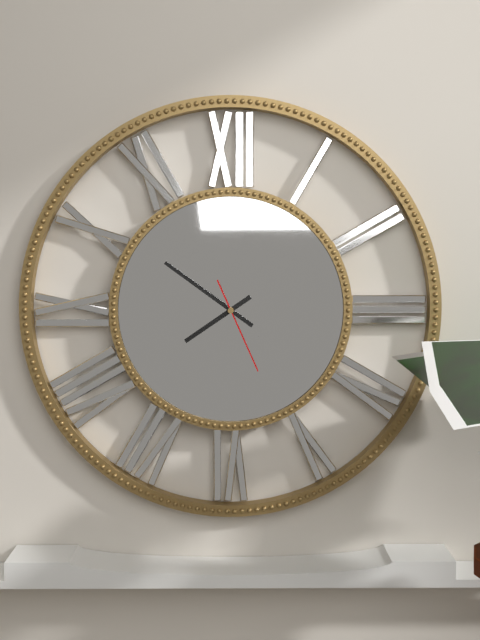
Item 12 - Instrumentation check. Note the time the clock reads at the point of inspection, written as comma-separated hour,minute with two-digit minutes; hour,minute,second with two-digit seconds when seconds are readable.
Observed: 7,51,26
